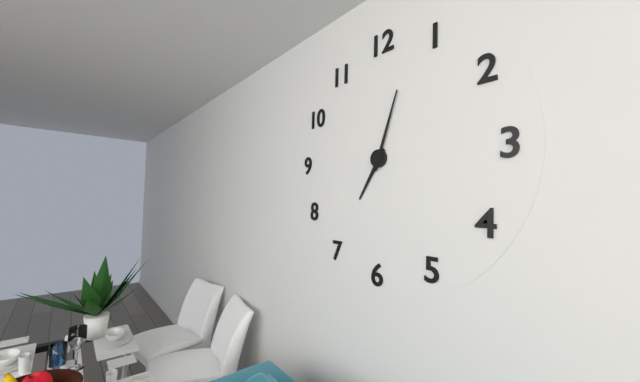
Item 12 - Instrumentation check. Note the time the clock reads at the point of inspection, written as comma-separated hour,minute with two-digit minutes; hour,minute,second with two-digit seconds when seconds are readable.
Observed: 7,03
